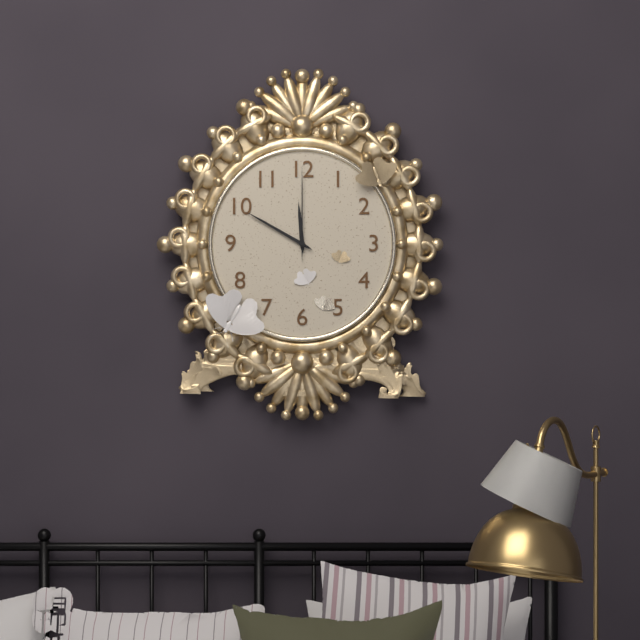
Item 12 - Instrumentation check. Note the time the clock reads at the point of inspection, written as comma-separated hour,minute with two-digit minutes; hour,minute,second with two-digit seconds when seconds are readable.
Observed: 11,50,00
